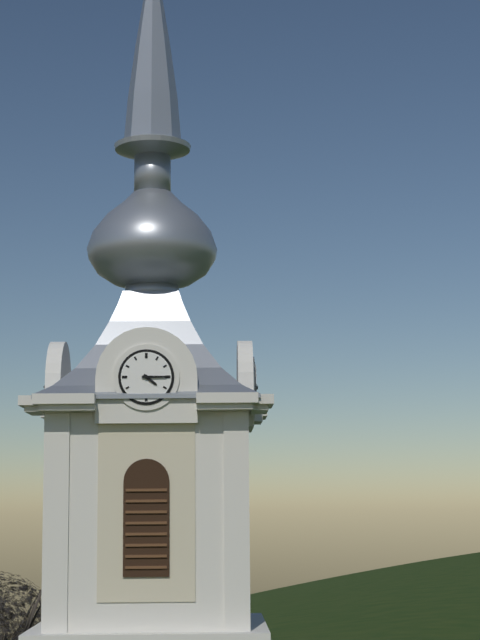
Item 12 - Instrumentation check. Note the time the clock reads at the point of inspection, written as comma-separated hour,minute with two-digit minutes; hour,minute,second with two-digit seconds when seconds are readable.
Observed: 4,15
